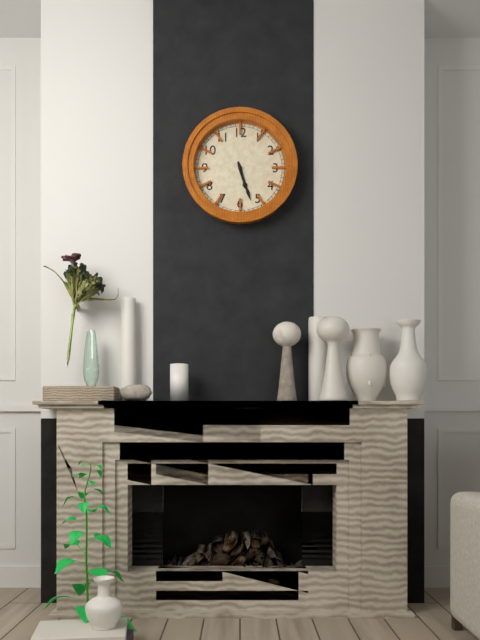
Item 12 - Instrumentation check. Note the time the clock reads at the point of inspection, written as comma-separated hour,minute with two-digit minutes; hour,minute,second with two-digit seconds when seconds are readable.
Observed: 5,27
